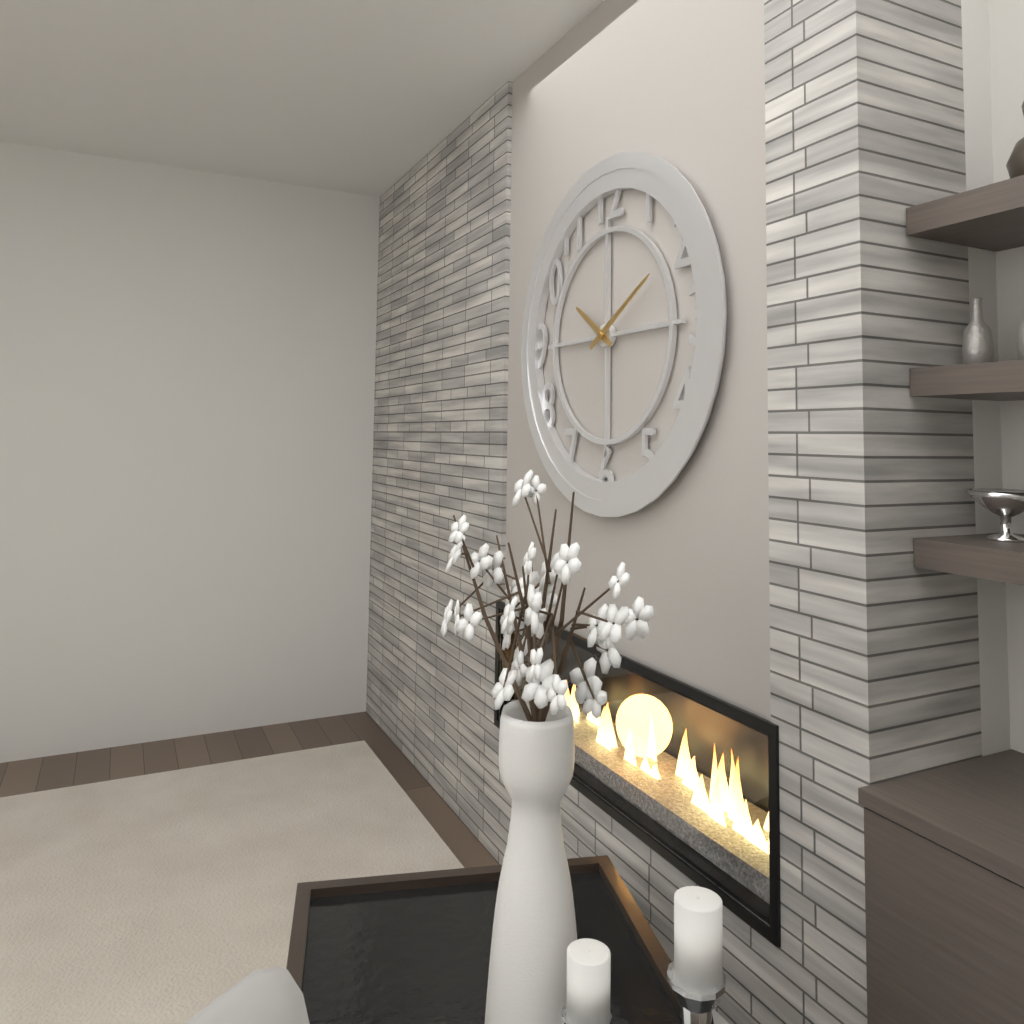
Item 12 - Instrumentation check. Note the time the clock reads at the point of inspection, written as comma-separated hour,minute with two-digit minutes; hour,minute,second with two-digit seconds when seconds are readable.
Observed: 10,10
